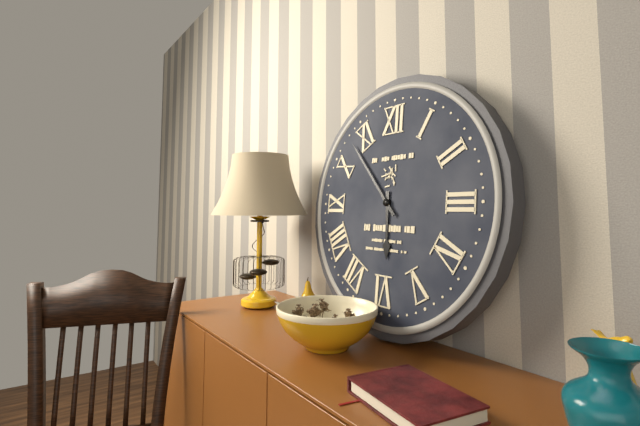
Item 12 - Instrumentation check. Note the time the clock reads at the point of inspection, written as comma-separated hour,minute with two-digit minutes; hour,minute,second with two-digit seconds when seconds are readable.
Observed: 5,53
